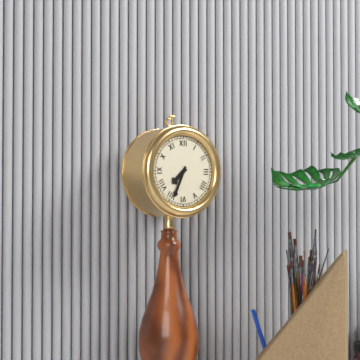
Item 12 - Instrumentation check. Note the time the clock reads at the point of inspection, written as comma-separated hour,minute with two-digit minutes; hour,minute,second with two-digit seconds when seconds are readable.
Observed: 7,34
